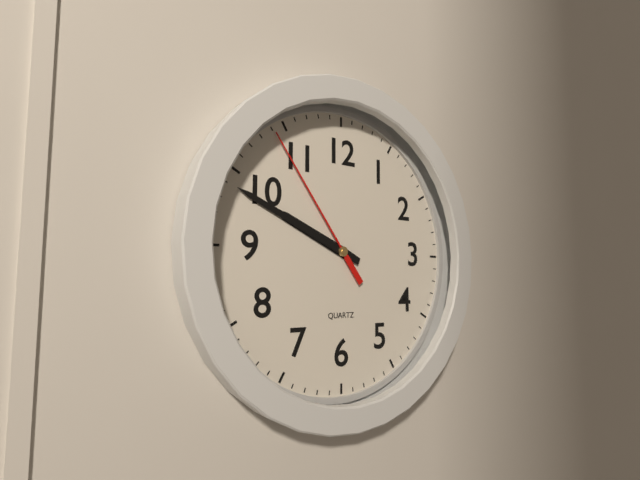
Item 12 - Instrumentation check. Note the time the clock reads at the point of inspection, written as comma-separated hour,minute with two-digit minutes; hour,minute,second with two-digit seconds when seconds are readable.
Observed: 9,49,54
